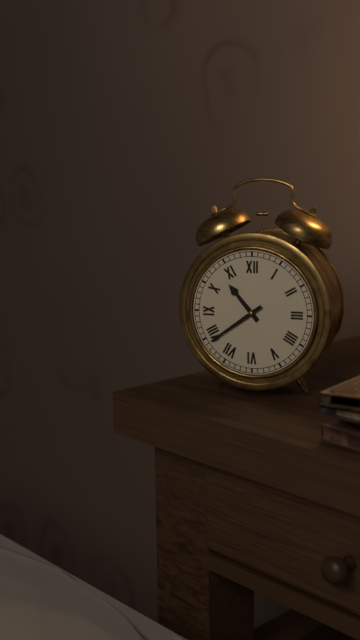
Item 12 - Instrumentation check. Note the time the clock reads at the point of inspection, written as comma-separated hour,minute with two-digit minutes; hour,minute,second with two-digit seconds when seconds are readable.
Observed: 10,39
